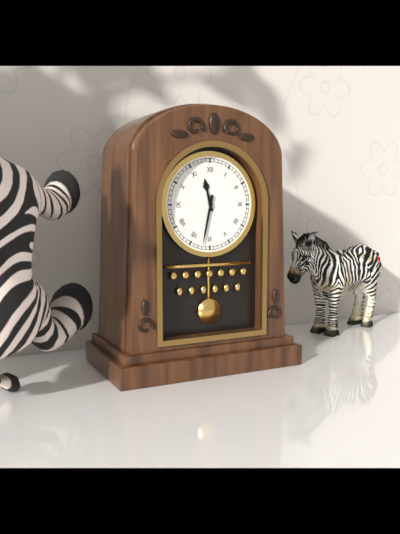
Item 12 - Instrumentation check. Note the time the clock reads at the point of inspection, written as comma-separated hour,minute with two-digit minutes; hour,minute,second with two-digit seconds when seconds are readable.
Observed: 11,32
